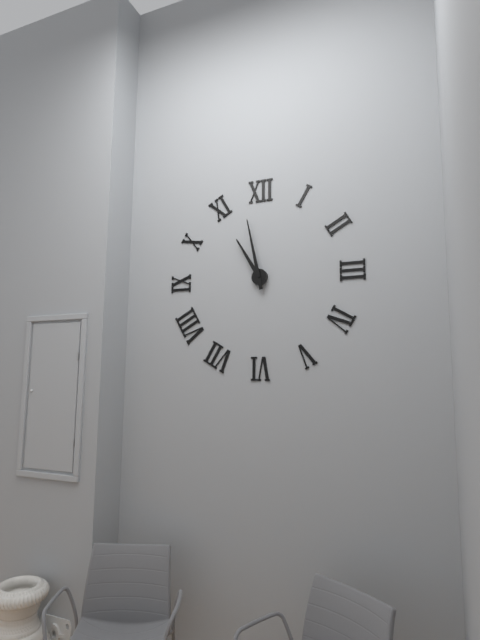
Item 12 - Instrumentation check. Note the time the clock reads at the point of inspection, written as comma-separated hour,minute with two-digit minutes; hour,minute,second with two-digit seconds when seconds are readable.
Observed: 10,58
